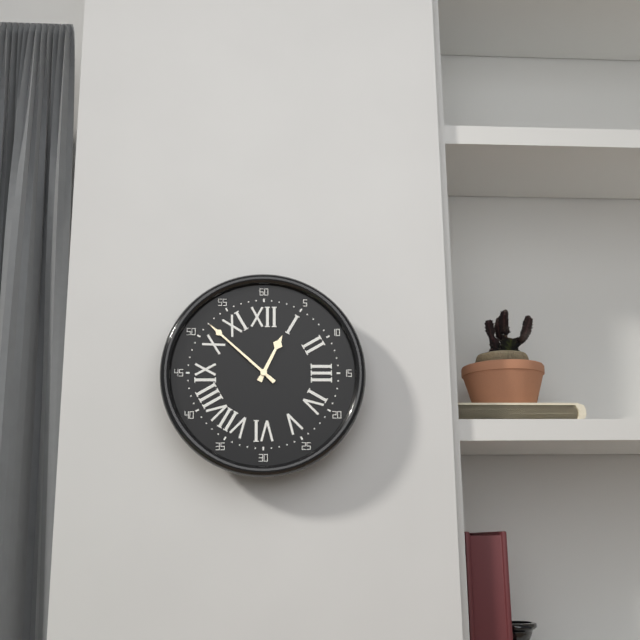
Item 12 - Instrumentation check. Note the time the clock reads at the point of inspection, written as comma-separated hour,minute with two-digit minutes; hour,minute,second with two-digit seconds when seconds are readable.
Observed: 12,52
